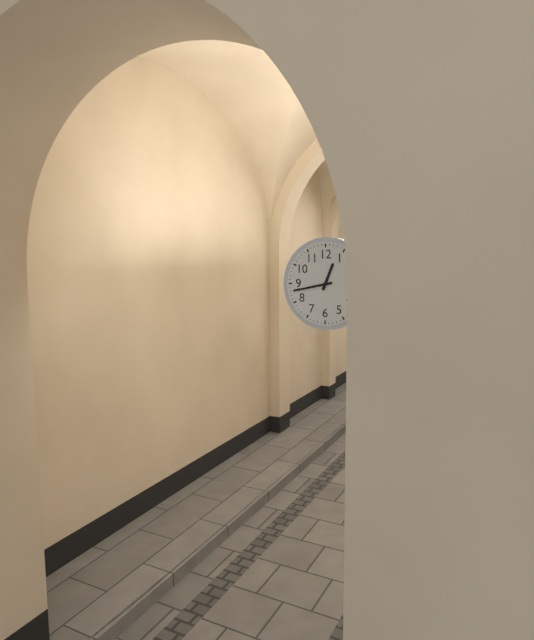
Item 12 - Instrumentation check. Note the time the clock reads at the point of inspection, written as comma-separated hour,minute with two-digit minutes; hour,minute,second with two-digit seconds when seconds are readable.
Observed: 12,43
